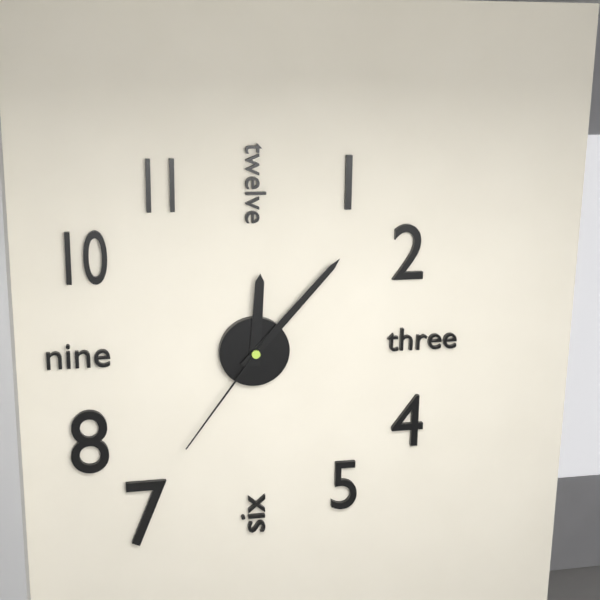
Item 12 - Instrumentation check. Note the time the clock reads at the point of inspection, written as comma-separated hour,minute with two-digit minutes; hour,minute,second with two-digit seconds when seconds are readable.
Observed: 12,07,36
